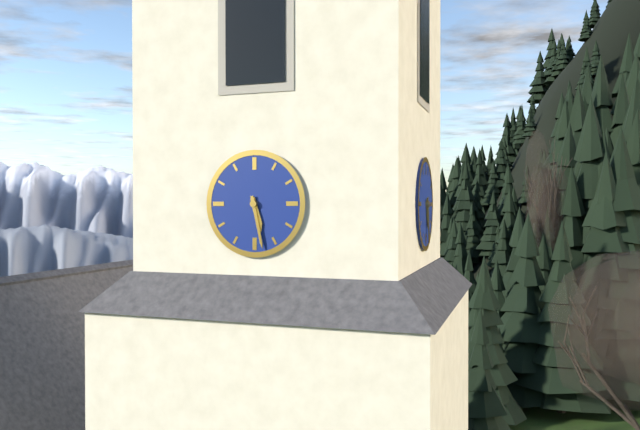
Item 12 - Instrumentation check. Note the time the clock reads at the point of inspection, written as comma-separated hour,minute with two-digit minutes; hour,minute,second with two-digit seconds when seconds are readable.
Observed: 5,28
